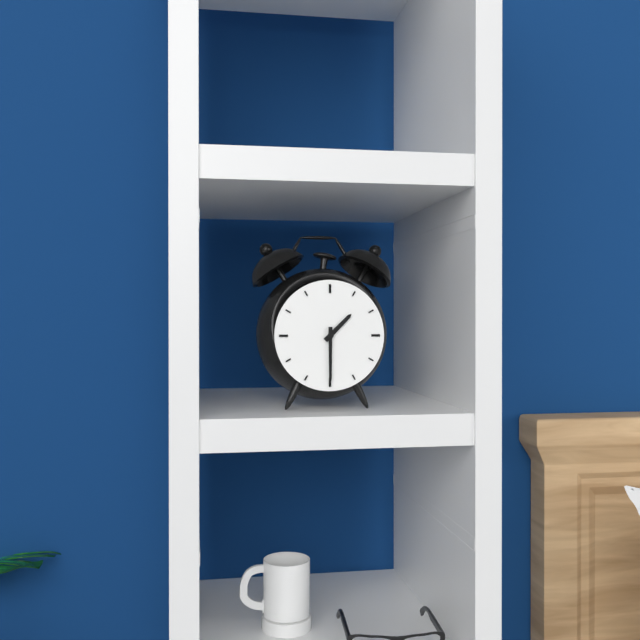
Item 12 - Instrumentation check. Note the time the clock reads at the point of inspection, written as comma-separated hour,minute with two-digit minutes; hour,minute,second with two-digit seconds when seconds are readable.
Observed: 1,30
